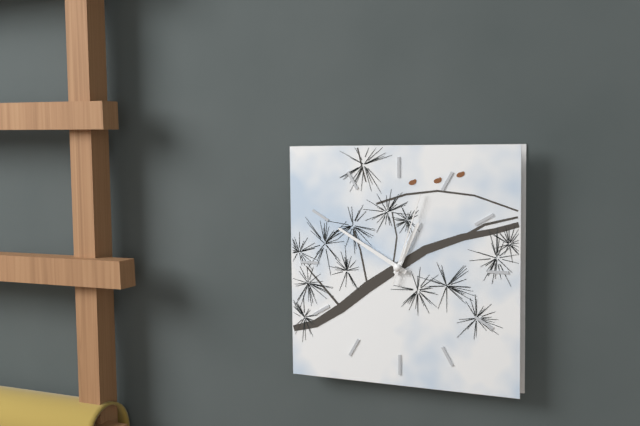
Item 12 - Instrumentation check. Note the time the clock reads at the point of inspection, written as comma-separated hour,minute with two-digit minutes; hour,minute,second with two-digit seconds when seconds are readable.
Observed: 12,50,03
